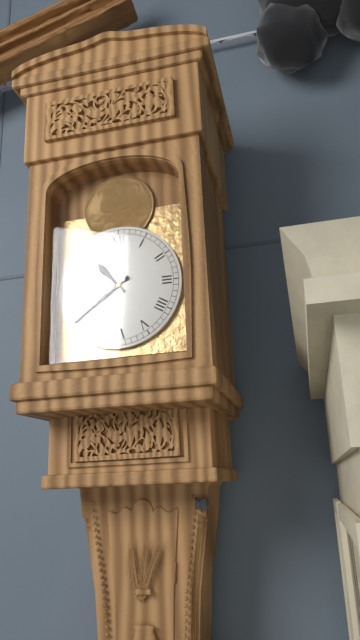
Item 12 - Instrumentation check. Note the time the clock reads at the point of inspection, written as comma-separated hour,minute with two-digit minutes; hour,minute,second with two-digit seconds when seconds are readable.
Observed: 10,39
